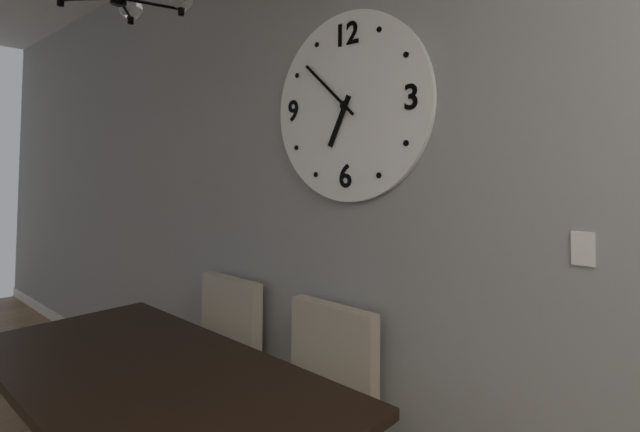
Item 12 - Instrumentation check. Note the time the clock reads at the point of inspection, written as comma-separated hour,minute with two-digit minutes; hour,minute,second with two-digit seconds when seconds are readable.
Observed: 6,52
